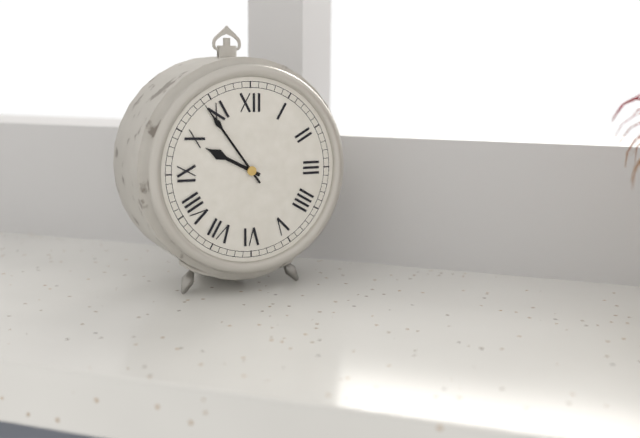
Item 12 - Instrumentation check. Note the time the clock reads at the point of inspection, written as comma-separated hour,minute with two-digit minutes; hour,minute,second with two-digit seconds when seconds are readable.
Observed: 9,54
